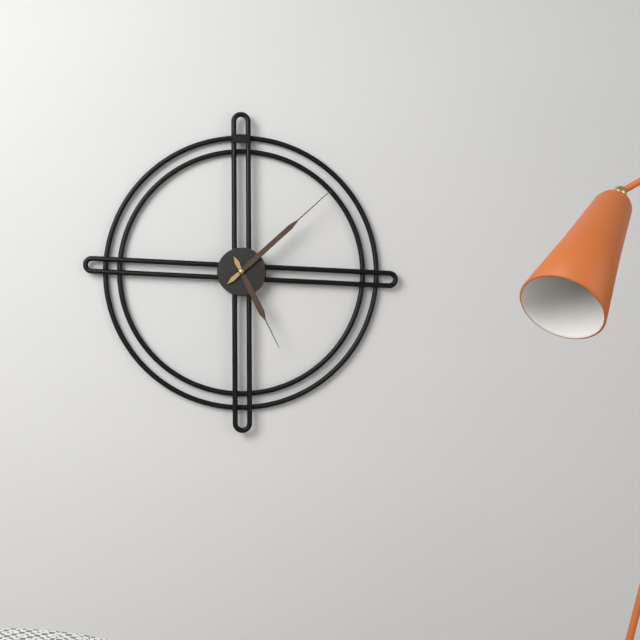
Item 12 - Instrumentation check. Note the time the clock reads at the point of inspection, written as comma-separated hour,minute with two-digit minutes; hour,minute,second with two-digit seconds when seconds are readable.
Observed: 5,08
